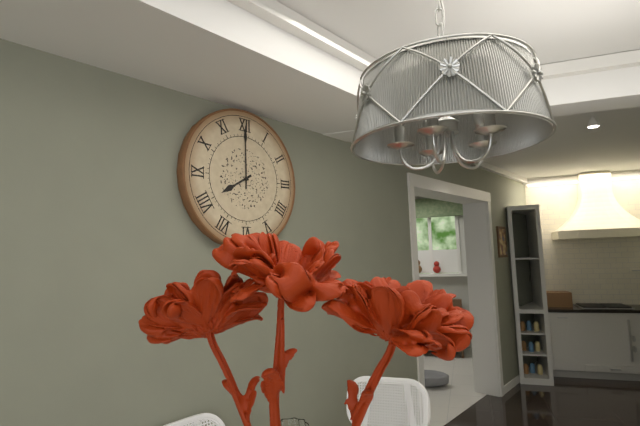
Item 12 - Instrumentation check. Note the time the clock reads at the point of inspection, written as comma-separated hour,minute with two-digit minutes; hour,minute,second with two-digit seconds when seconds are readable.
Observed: 8,00
